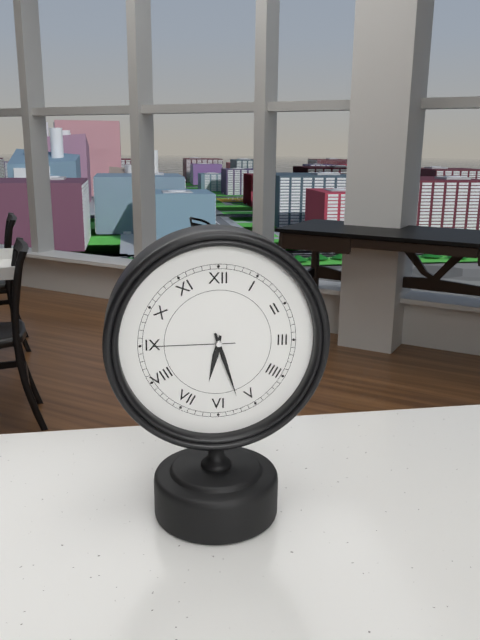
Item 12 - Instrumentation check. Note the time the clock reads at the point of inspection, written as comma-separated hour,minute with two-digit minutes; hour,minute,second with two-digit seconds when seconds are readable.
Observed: 6,27,45
